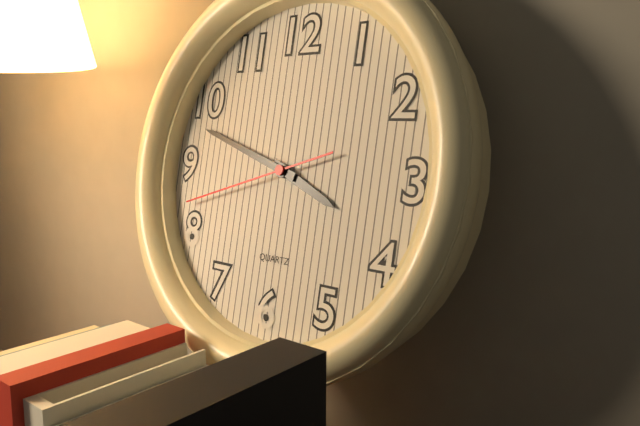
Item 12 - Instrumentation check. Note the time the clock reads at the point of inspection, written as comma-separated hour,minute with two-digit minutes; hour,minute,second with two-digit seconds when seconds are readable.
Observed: 3,48,42
